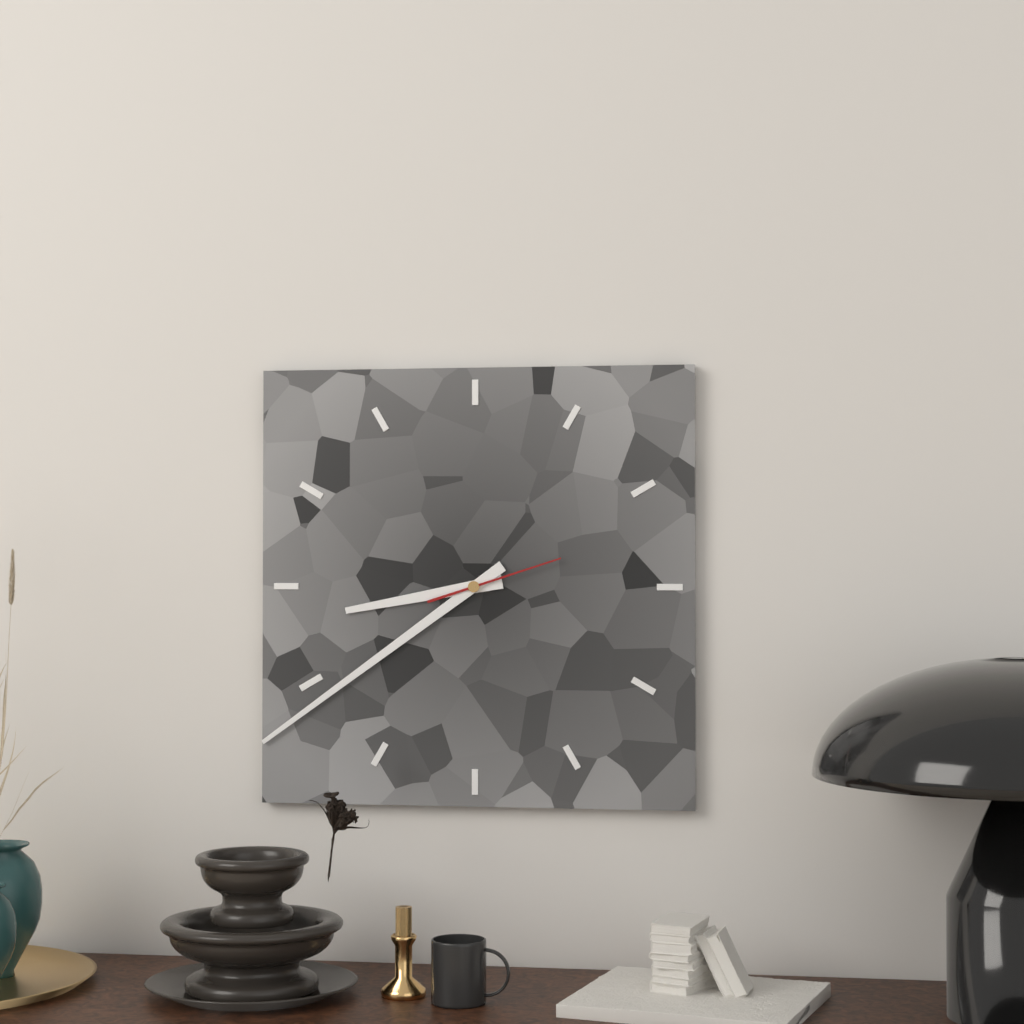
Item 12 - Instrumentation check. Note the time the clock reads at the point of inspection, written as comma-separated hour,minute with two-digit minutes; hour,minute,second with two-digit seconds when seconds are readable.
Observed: 8,39,12
